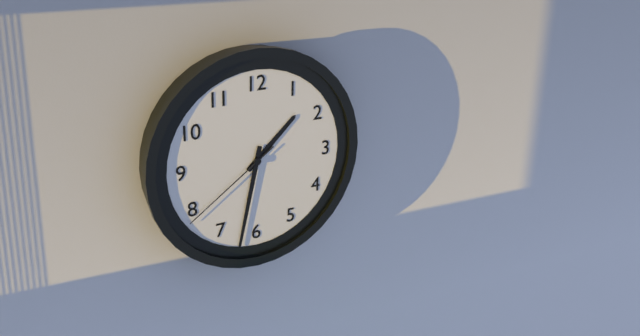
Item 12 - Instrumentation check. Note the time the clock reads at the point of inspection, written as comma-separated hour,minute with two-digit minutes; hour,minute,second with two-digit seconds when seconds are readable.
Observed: 1,32,39
